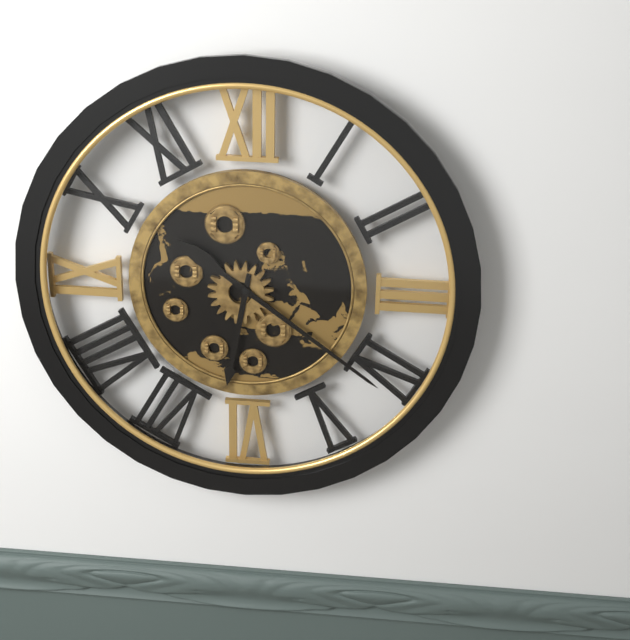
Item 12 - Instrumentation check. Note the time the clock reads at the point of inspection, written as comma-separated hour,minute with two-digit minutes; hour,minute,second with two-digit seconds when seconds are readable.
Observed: 6,21
